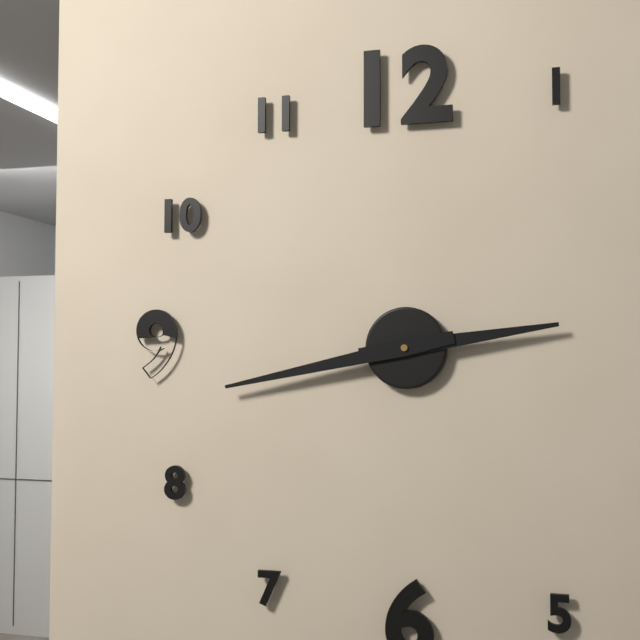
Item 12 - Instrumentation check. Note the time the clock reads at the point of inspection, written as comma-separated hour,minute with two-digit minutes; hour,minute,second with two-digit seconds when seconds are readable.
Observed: 2,43
